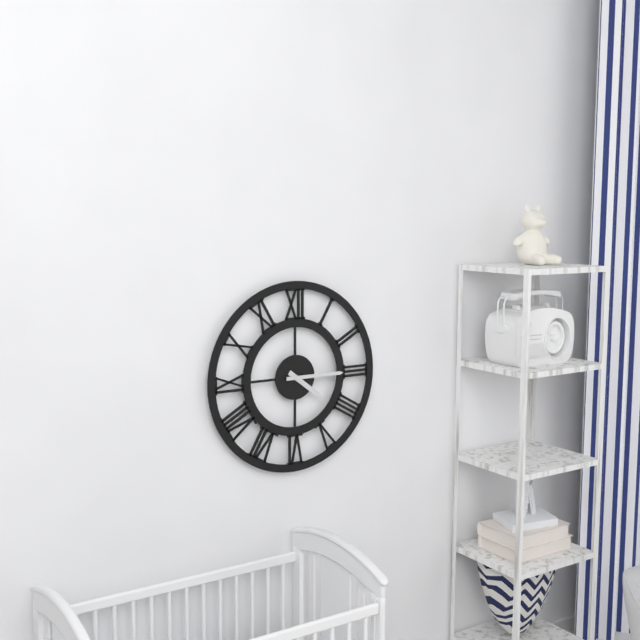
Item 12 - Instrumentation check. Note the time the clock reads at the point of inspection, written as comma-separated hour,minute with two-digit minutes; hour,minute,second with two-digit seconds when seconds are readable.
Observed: 4,15
